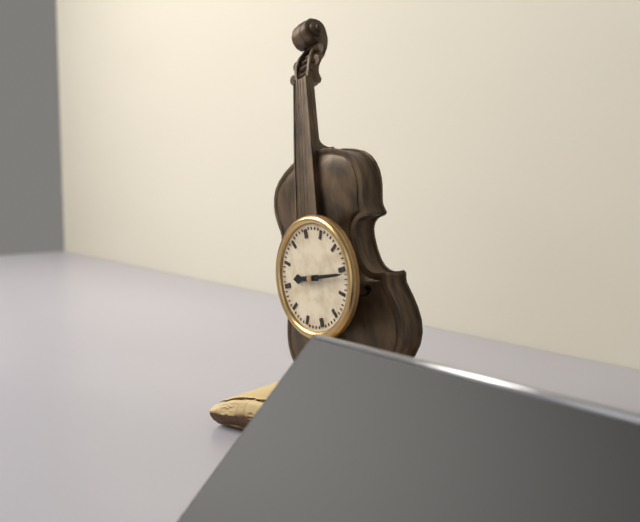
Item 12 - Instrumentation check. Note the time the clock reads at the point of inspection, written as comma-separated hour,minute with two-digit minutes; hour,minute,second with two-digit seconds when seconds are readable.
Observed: 9,16
